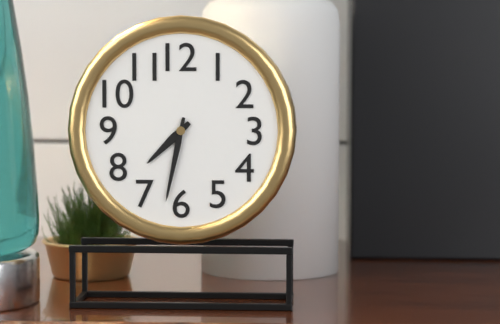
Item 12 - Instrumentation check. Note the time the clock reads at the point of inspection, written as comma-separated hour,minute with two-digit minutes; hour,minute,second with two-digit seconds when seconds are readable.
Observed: 7,32
